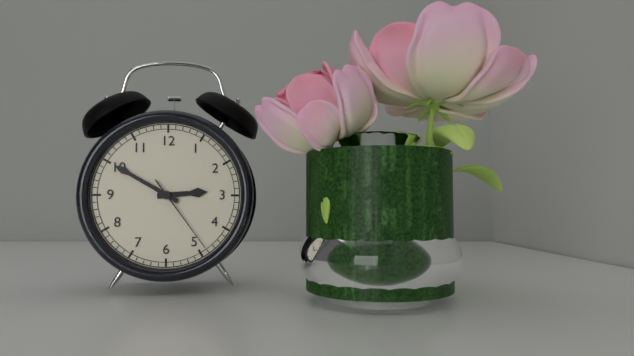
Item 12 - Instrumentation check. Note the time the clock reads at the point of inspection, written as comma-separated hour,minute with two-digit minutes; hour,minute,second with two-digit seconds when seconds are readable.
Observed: 2,50,24
